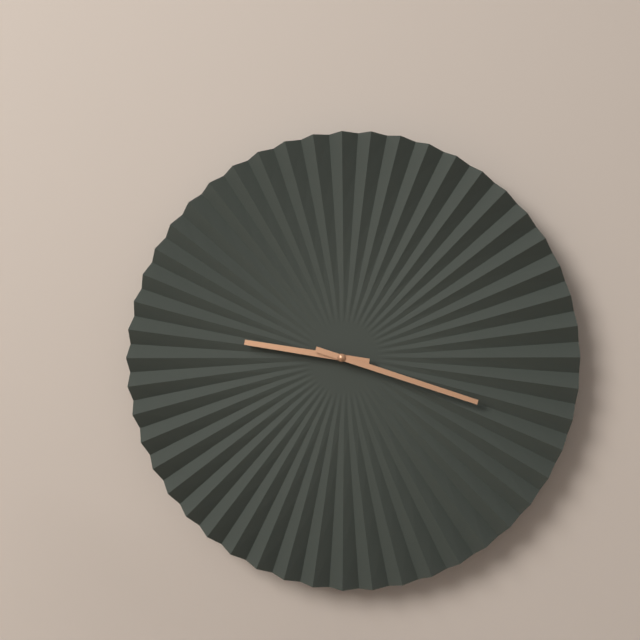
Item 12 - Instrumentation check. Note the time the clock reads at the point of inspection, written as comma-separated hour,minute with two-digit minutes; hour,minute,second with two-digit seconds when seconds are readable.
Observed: 9,18
